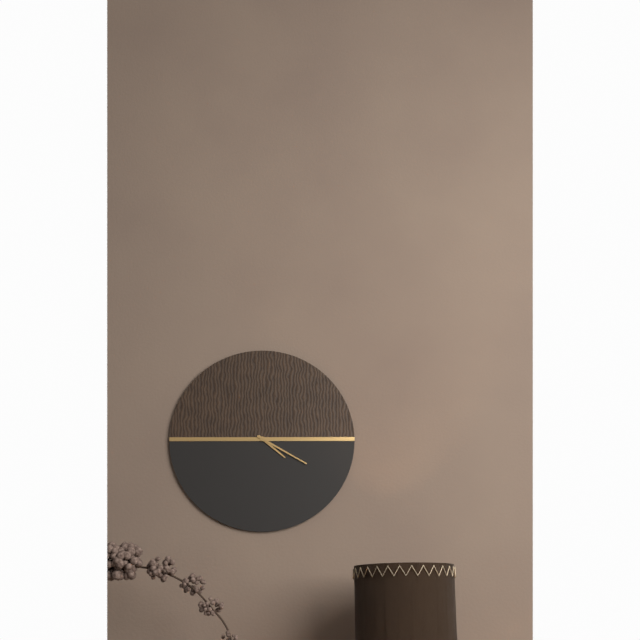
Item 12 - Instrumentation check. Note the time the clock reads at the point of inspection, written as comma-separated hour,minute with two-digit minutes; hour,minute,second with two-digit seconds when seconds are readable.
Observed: 4,20
